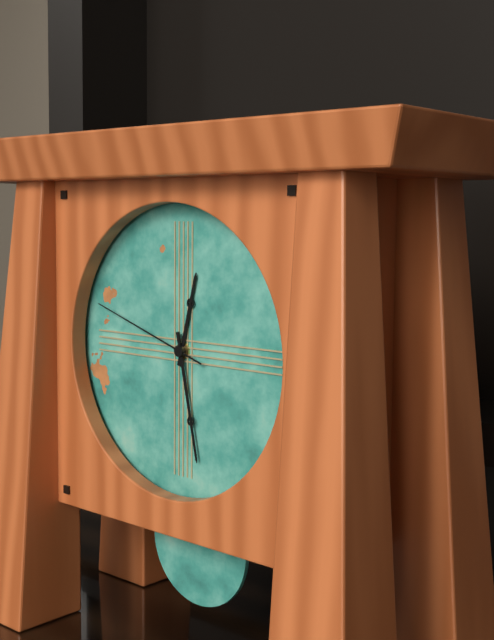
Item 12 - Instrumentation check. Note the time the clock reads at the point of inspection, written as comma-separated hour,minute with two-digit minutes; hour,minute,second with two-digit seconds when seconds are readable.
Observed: 12,28,48
